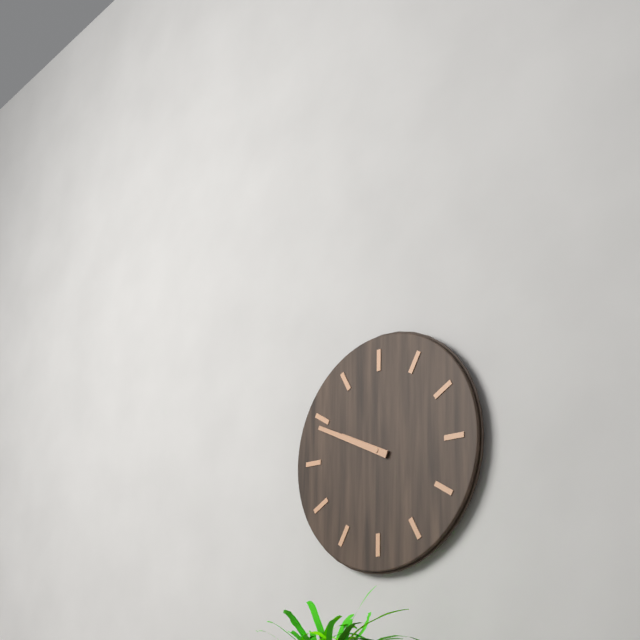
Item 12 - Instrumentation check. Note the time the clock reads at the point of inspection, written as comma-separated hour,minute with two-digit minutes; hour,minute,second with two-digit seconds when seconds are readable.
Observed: 9,49
